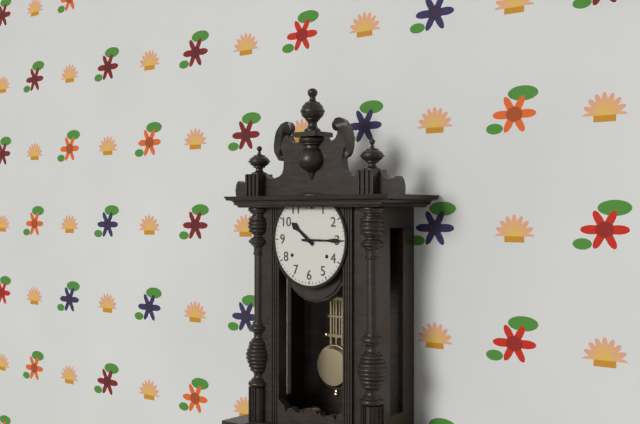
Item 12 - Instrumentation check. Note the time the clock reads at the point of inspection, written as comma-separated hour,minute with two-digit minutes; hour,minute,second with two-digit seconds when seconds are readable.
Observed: 10,15
